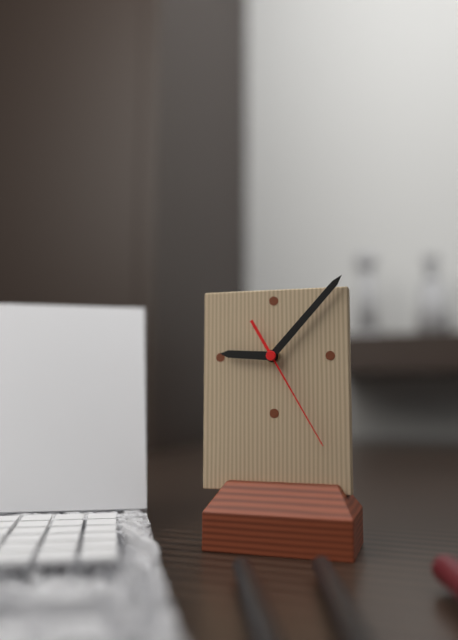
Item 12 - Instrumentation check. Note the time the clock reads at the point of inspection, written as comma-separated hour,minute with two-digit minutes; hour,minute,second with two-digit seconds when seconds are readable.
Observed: 9,07,25
